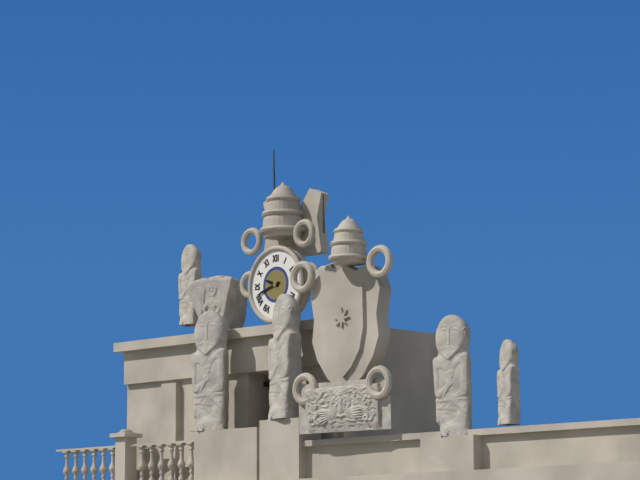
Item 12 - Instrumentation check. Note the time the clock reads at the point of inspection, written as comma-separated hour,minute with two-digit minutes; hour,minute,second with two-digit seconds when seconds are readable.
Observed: 9,42
